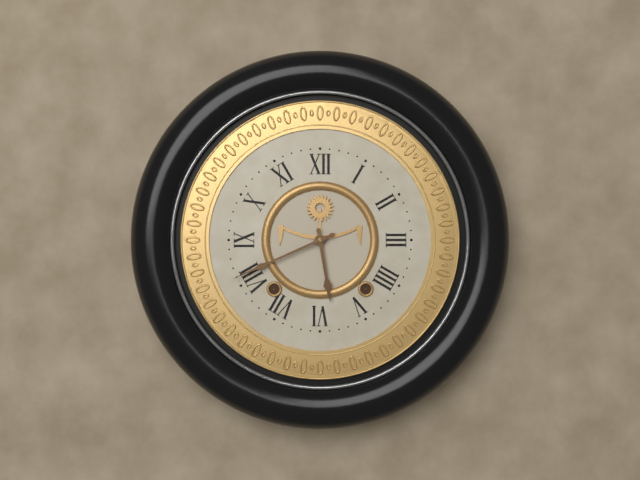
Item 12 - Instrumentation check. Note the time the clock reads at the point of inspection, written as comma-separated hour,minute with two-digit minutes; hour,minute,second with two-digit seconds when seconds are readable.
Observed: 5,41
